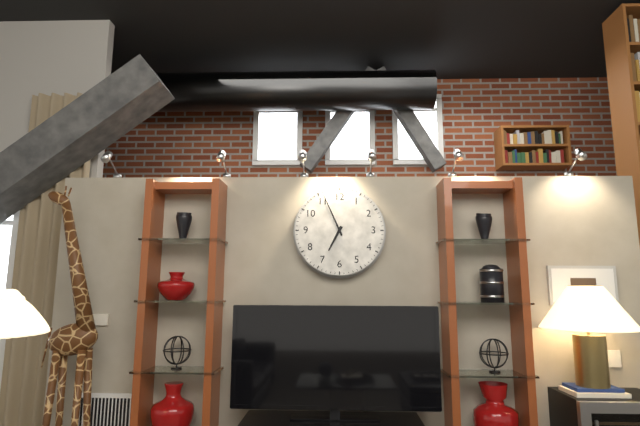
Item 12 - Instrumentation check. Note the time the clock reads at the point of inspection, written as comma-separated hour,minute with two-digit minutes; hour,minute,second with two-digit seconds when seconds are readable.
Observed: 6,56
